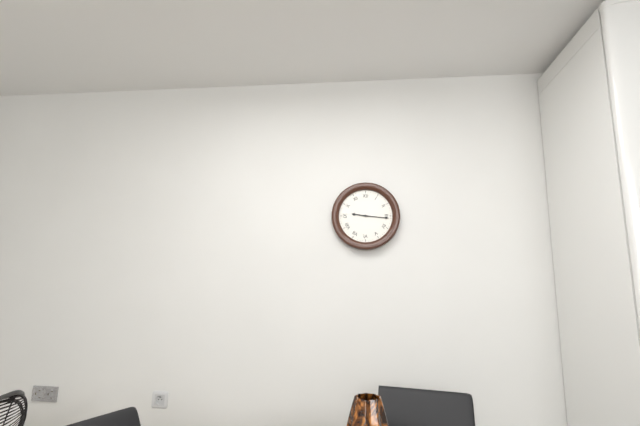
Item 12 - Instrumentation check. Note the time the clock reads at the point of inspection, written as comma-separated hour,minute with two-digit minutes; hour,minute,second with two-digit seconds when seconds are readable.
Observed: 9,16
